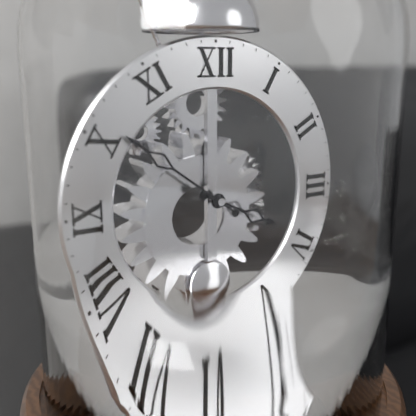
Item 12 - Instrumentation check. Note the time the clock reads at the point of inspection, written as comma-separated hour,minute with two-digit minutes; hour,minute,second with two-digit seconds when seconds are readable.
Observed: 3,51
